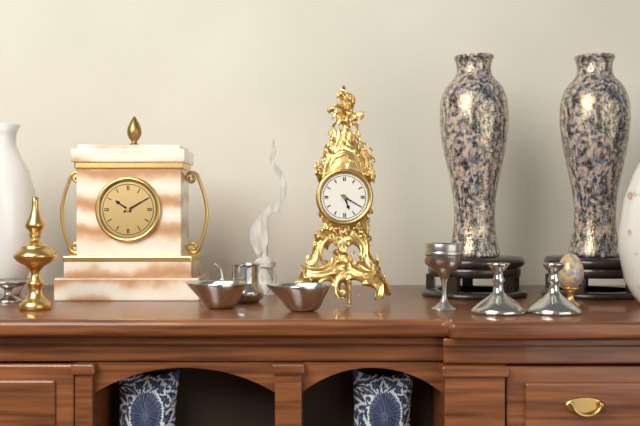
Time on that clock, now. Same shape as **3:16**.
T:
**5:20**
